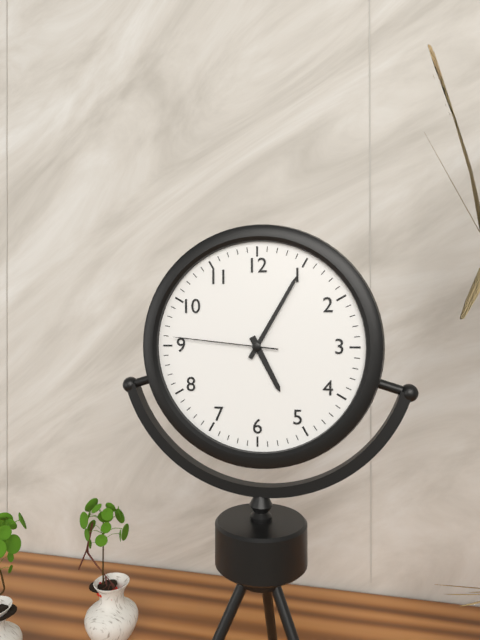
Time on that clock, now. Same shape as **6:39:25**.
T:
**5:05:46**
